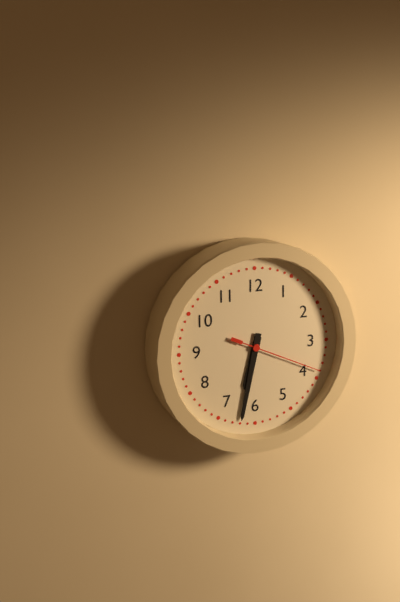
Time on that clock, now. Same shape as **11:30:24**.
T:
**6:32:19**
